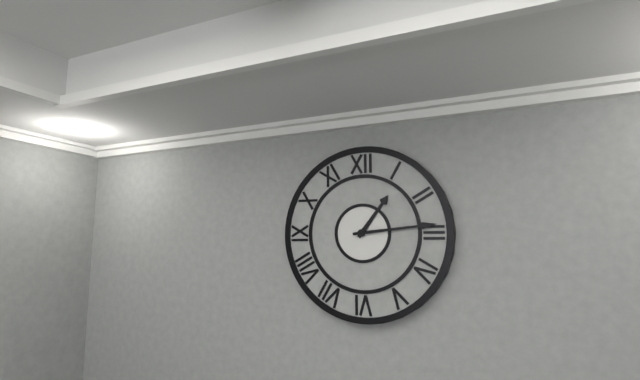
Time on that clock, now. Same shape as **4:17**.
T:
**1:14**
